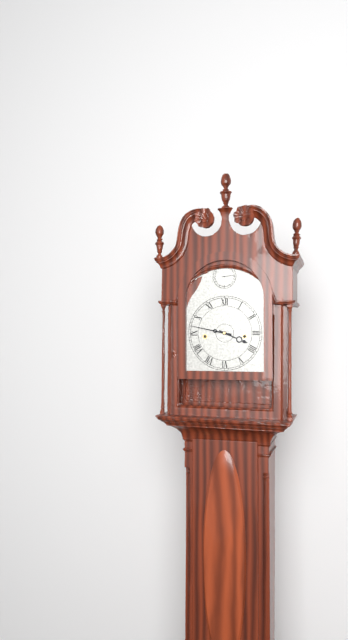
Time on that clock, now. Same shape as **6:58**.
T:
**3:47**
